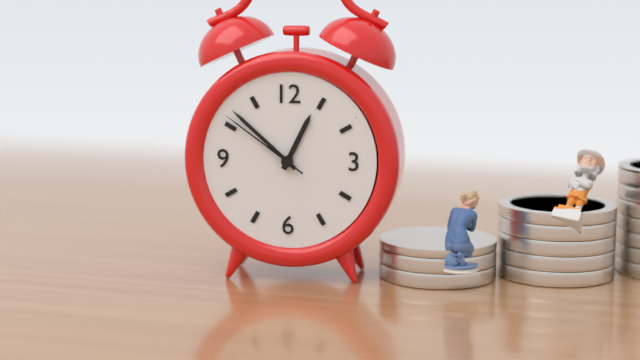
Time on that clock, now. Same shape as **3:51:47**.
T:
**12:52:51**
